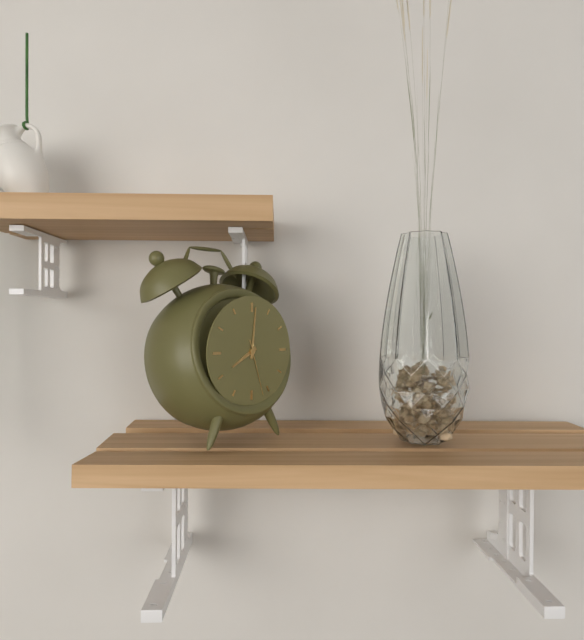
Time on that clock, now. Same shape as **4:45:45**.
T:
**8:01:27**
